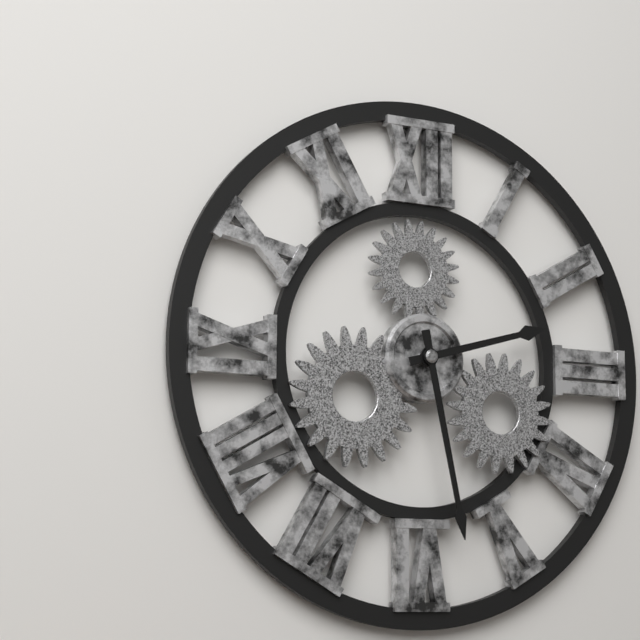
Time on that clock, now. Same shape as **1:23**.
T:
**2:28**
